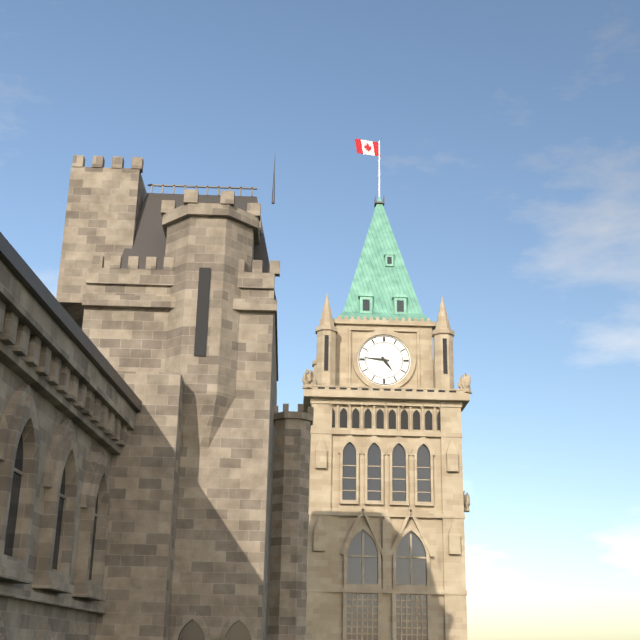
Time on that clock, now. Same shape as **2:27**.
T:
**4:46**
